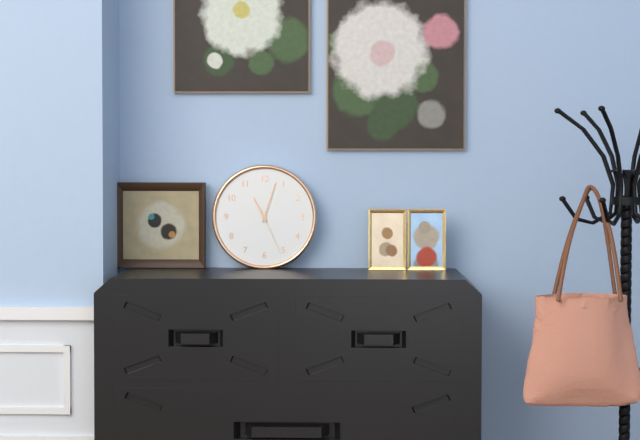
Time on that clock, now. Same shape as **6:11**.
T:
**11:03**
